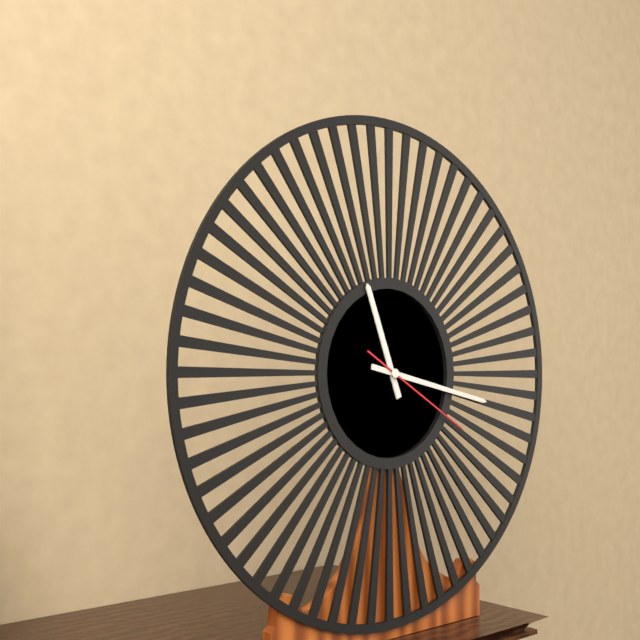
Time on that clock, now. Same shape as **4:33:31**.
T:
**11:17:20**
